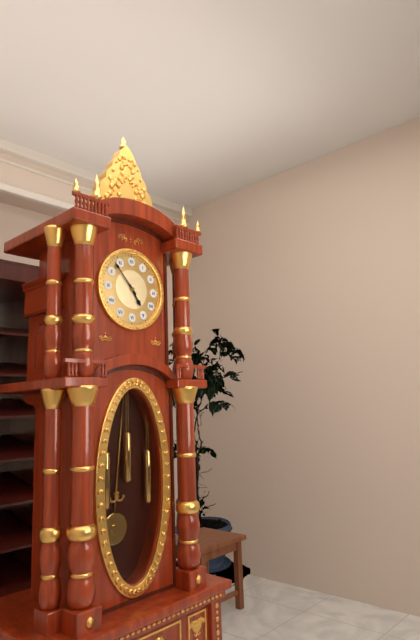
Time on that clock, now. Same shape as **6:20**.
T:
**4:53**
